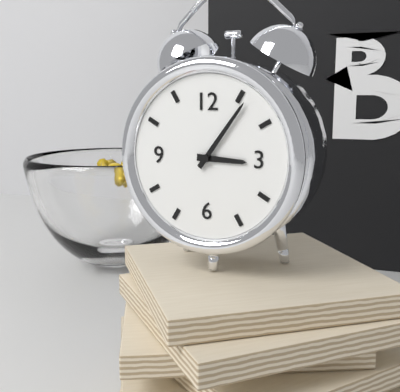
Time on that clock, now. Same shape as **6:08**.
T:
**3:06**
